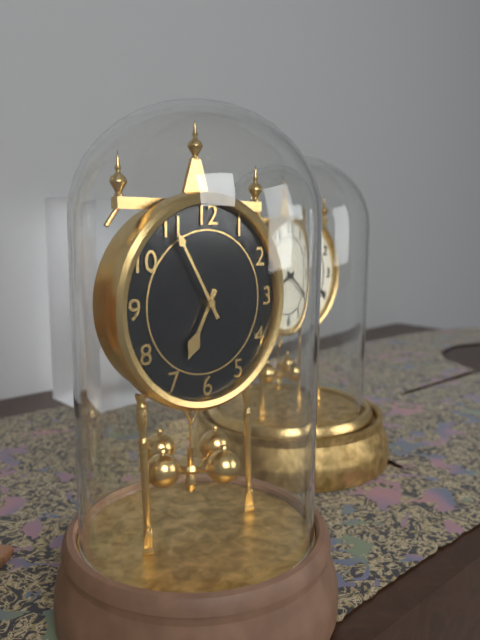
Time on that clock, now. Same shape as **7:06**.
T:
**6:55**
